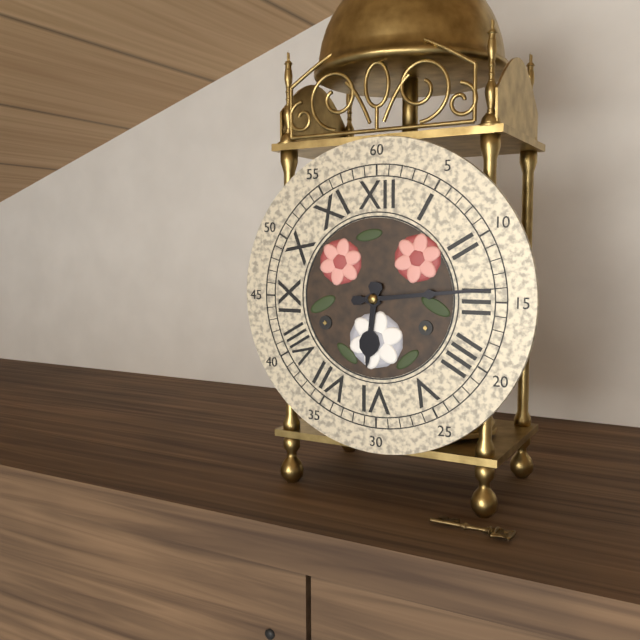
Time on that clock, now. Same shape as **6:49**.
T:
**6:14**
